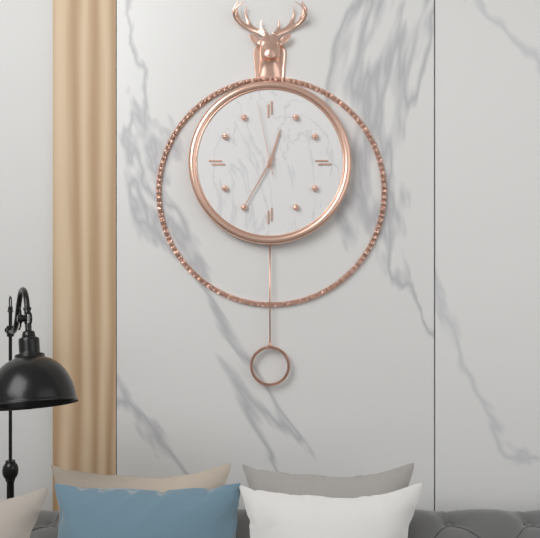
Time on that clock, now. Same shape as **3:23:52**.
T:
**12:35:58**
